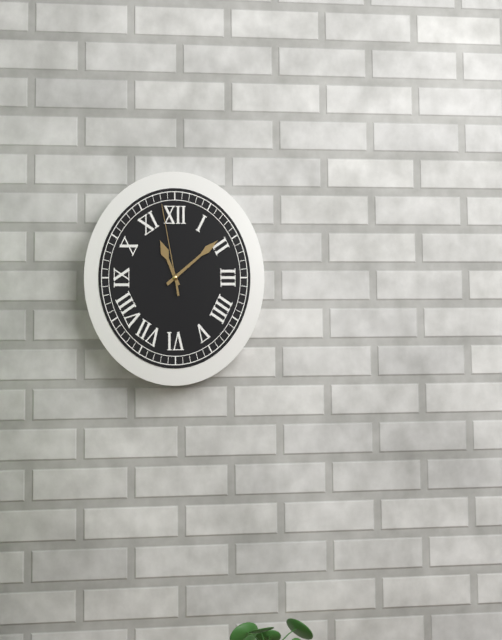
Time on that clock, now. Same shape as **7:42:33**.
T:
**11:09:58**
